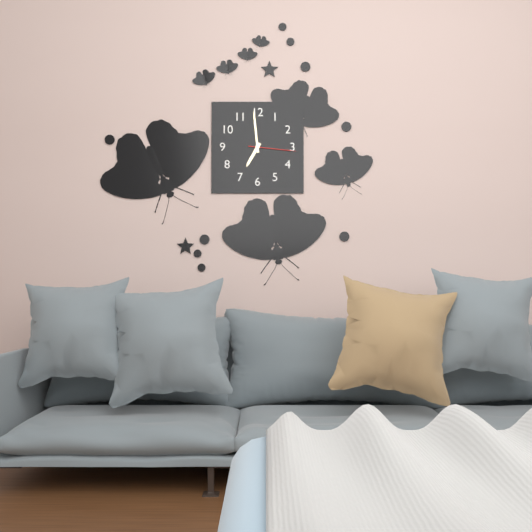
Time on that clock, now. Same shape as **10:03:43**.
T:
**6:59:16**
